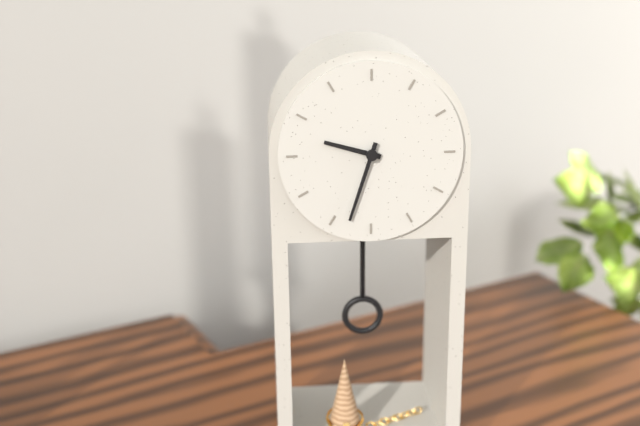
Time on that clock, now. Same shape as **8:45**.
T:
**9:33**
